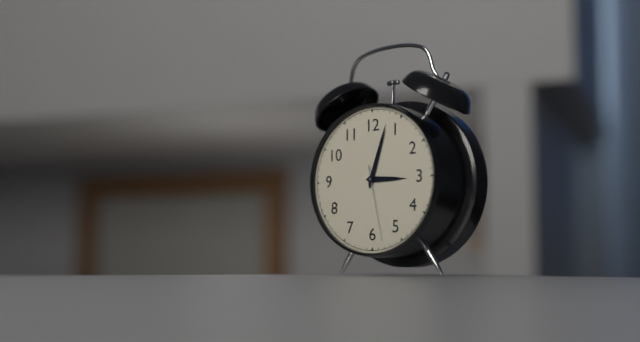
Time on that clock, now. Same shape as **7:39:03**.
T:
**3:03:28**
